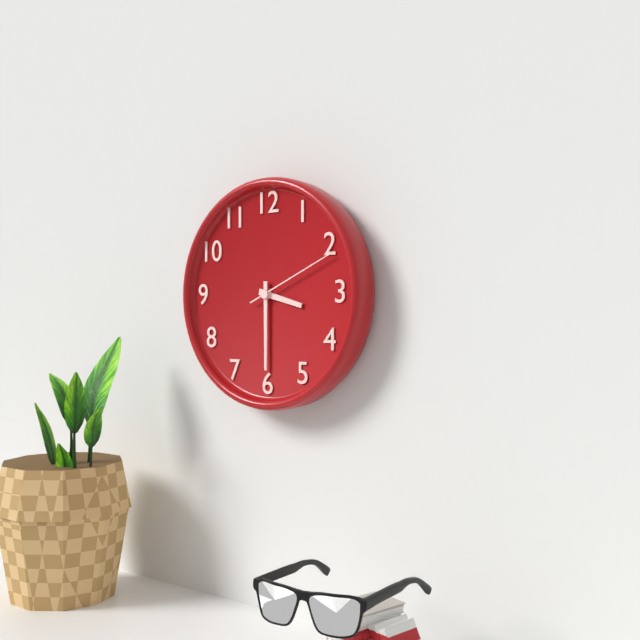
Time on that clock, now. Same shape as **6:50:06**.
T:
**3:30:11**
